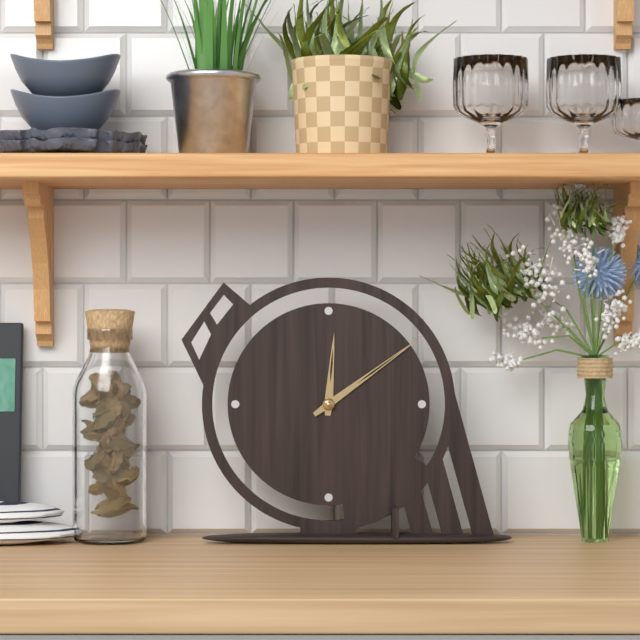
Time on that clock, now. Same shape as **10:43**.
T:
**12:09**
